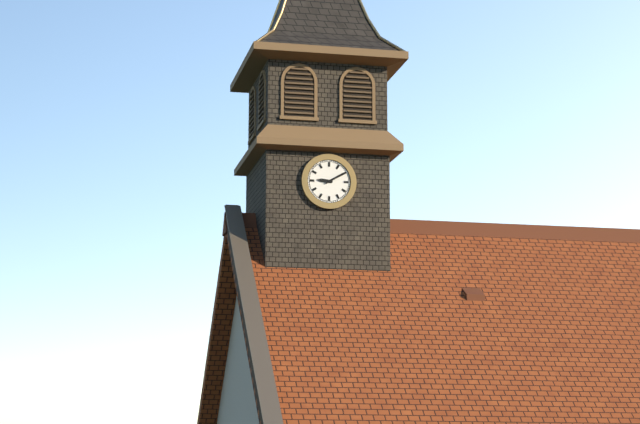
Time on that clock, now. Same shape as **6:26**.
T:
**9:10**
